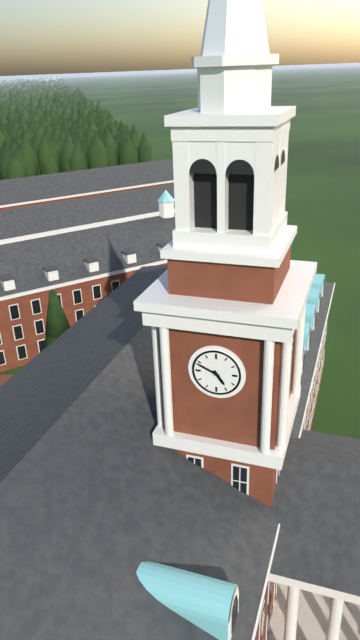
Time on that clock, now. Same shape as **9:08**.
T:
**4:49**
